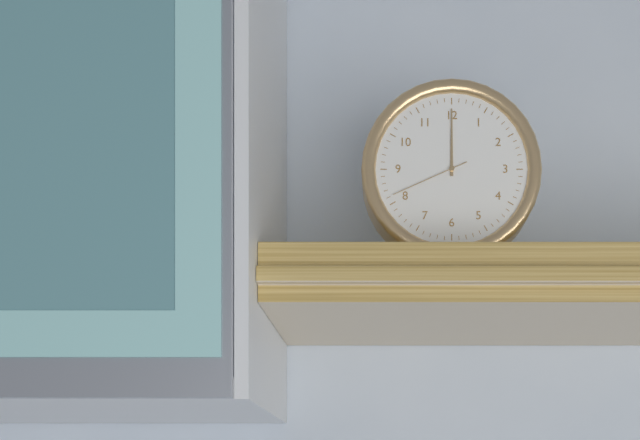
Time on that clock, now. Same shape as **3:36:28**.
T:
**12:00:41**
